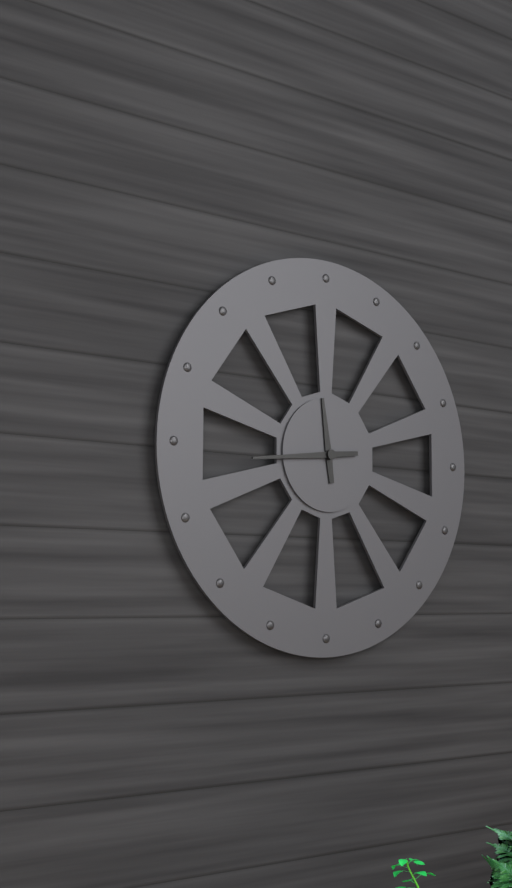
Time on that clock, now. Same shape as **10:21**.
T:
**11:44**
